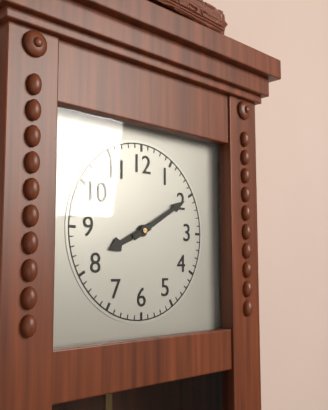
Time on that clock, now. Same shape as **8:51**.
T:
**8:10**
